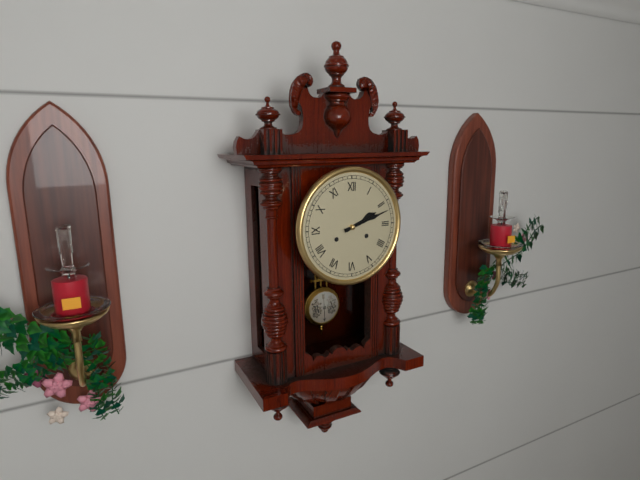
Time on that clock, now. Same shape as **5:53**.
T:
**2:12**
